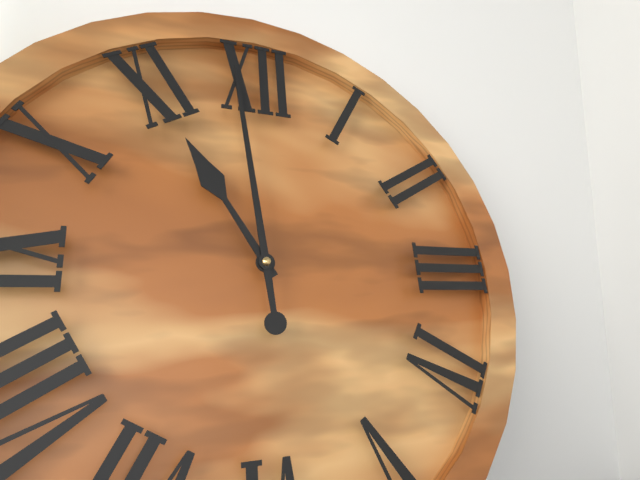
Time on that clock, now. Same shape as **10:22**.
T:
**10:59**
